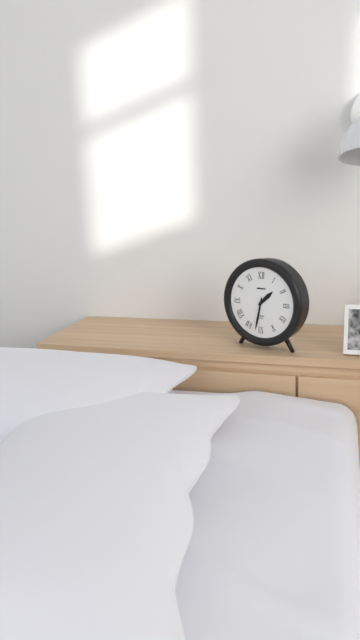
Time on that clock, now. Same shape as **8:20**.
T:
**1:32**
